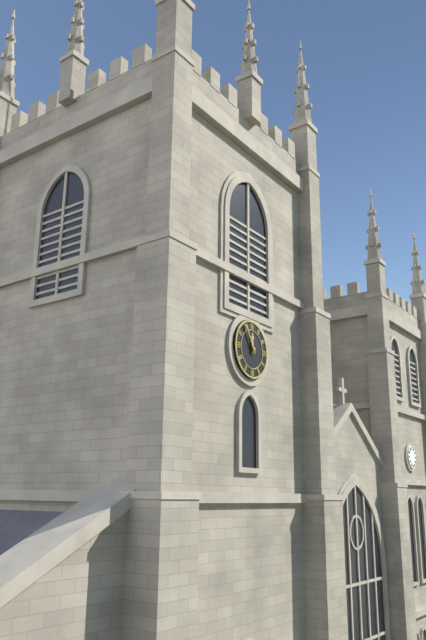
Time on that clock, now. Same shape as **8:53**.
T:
**11:55**
